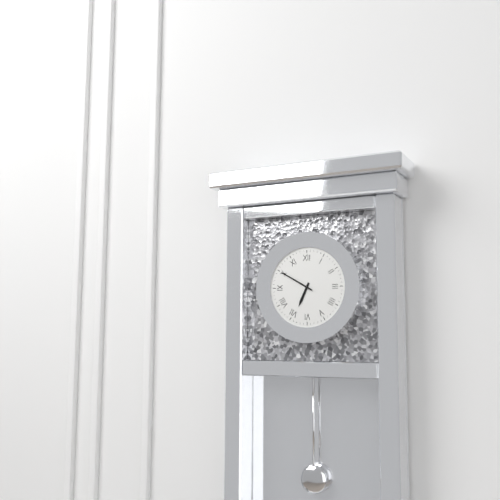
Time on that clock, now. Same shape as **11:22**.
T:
**6:50**
